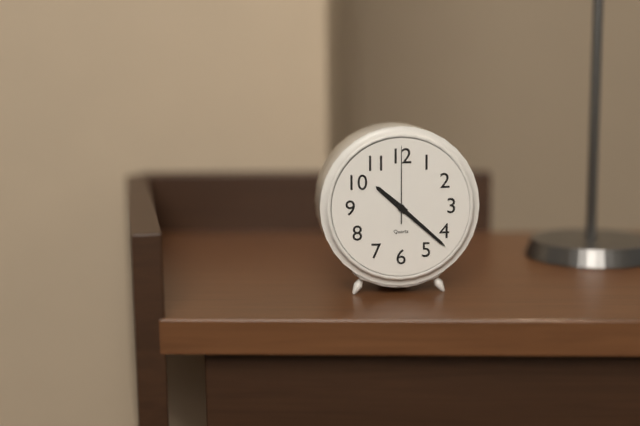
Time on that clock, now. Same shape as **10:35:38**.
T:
**10:22:00**
